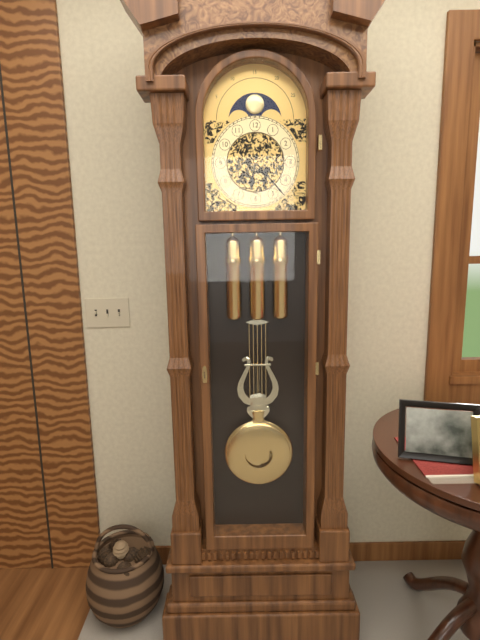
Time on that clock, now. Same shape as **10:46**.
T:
**6:23**
